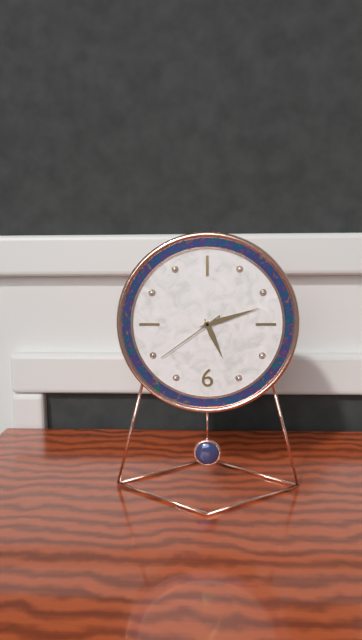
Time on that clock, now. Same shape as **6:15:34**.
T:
**5:12:39**
